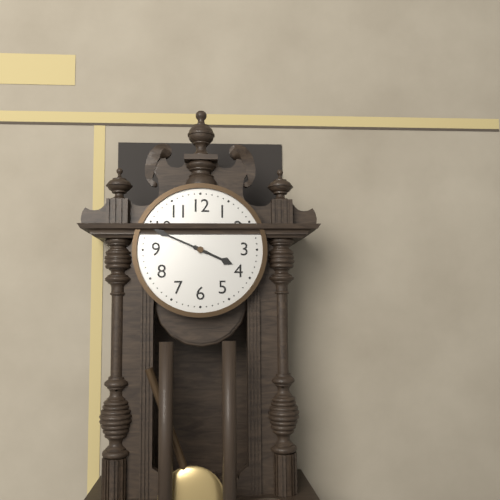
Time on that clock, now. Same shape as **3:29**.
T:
**3:49**
